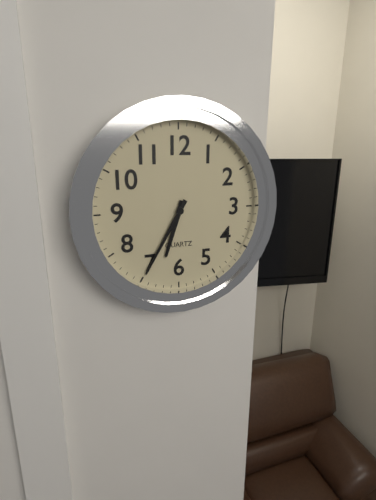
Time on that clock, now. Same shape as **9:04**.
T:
**6:35**
